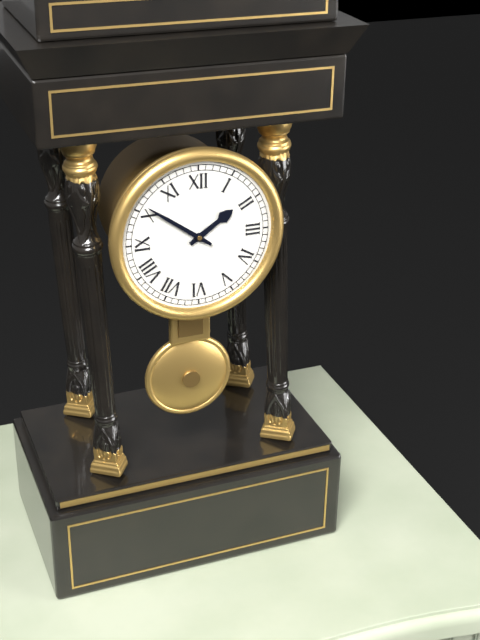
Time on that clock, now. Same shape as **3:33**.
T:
**1:51**
